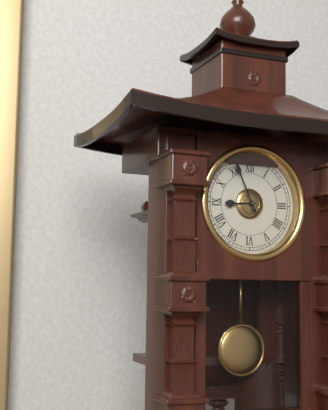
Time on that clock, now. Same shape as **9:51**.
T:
**8:56**
